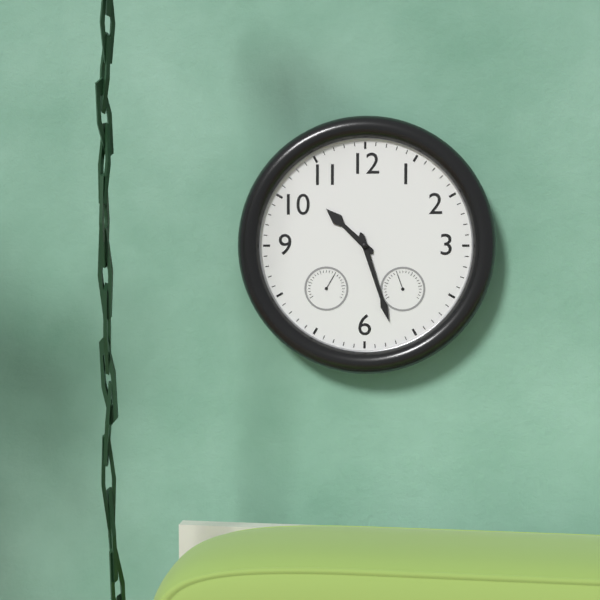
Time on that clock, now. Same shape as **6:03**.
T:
**10:27**
